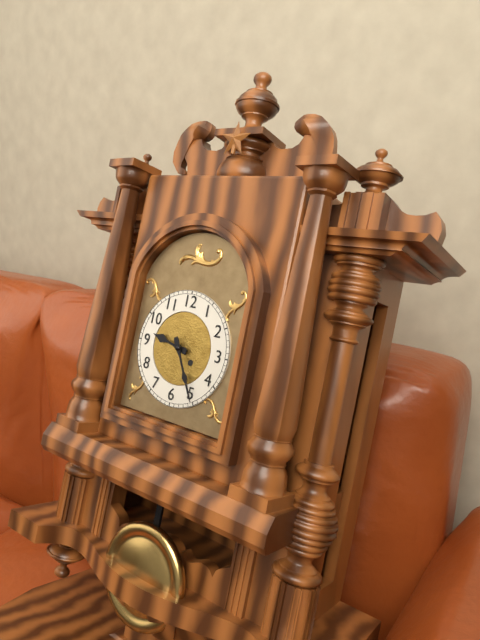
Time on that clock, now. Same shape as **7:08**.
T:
**9:25**
